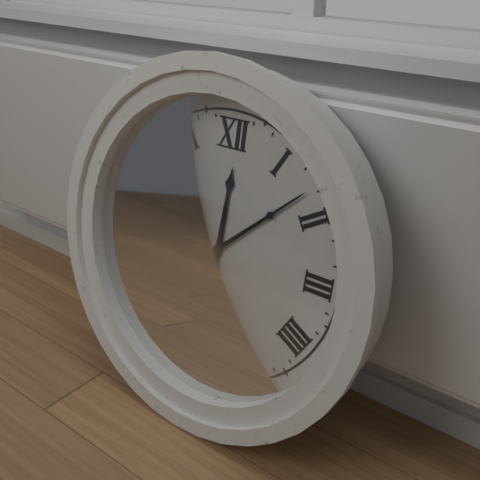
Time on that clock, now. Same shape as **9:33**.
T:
**12:08**
